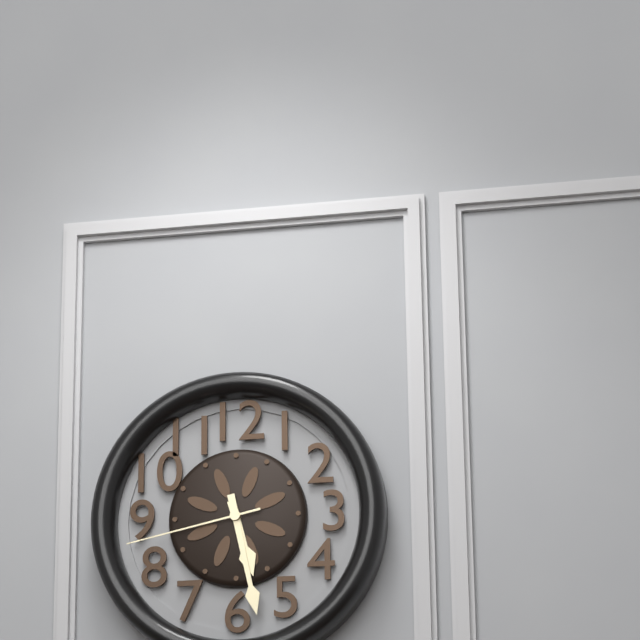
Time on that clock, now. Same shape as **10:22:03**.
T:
**5:28:43**
